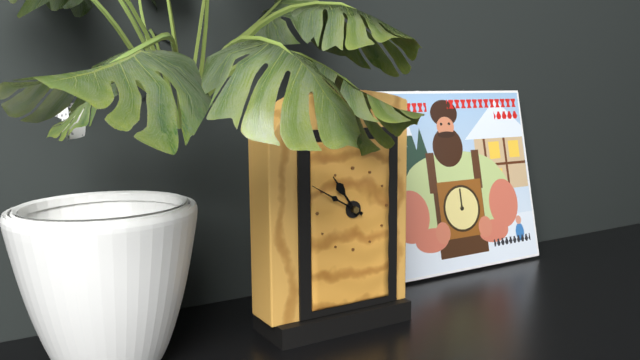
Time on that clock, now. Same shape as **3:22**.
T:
**10:50**
